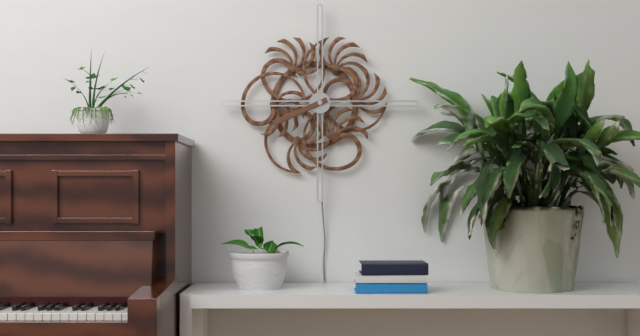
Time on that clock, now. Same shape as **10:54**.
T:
**10:41**
